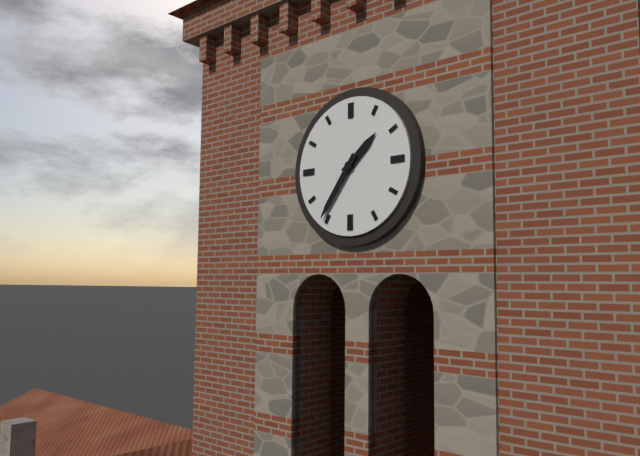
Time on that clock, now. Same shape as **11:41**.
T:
**1:36**
